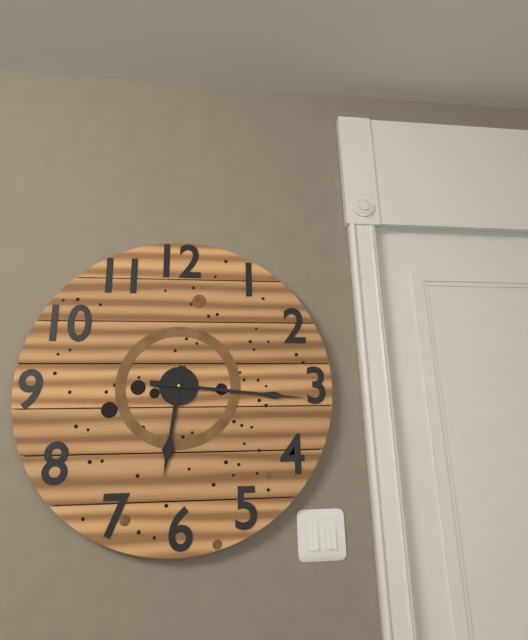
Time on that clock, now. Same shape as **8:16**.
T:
**6:16**
